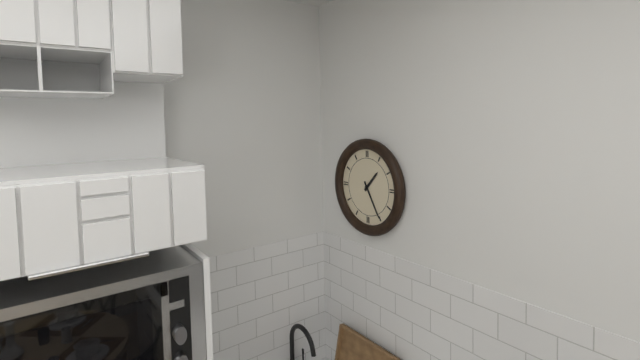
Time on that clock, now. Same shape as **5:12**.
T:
**1:25**
